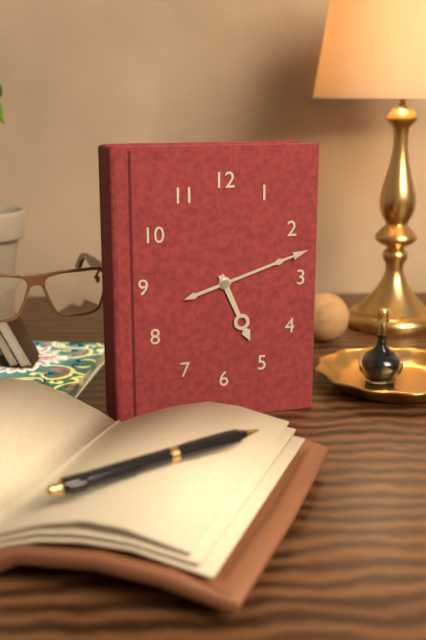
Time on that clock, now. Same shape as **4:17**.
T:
**5:12**
